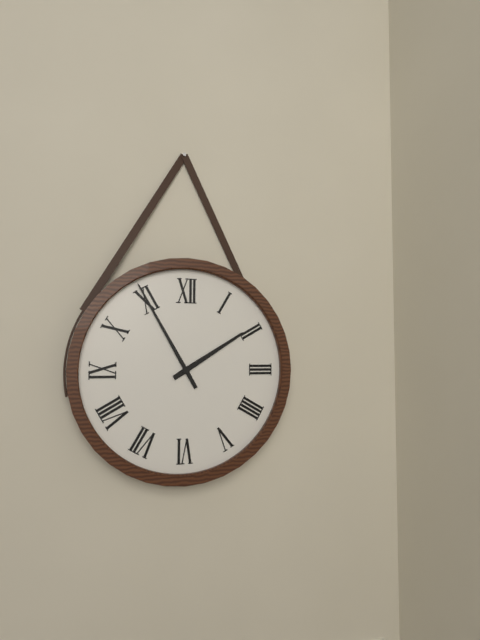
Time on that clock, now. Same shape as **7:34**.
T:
**1:55**
